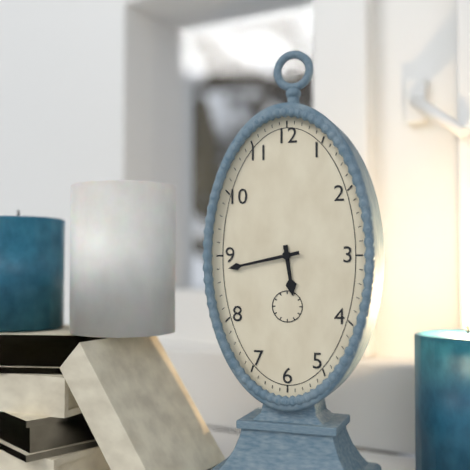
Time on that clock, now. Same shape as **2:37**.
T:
**5:43**
